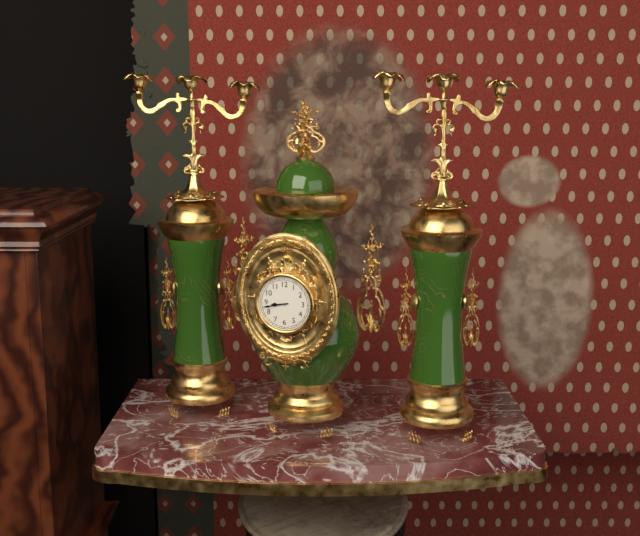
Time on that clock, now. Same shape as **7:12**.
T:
**8:43**
